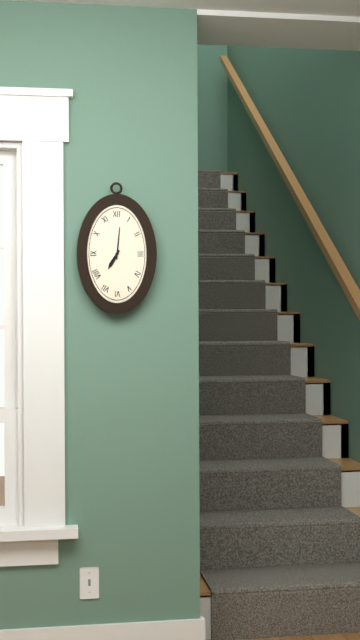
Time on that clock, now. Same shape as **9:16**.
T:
**7:01**
